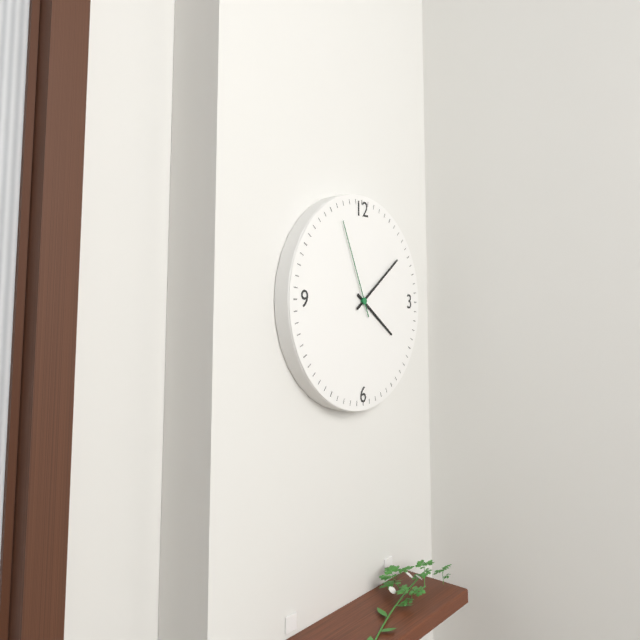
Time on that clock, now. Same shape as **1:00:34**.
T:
**4:09:56**
